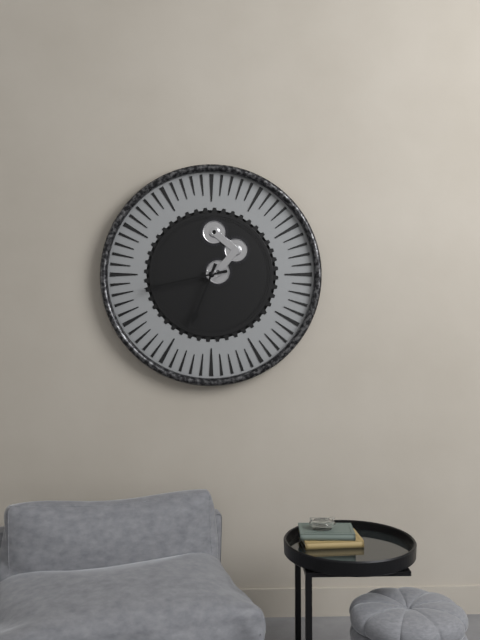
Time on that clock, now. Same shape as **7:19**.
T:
**6:43**
